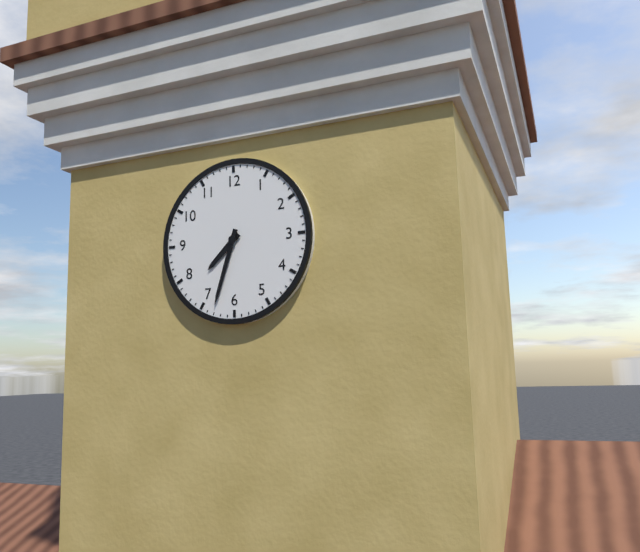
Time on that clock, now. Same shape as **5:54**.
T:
**7:33**
